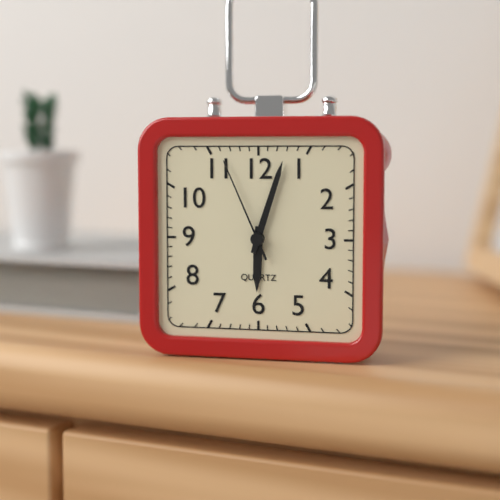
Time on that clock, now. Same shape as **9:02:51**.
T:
**6:03:56**
